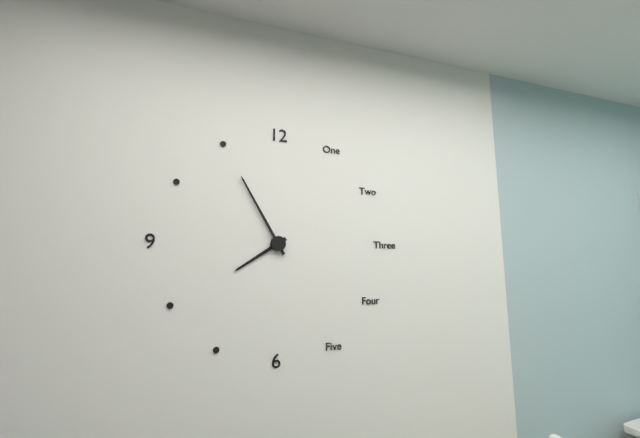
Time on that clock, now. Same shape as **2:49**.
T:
**7:55**
